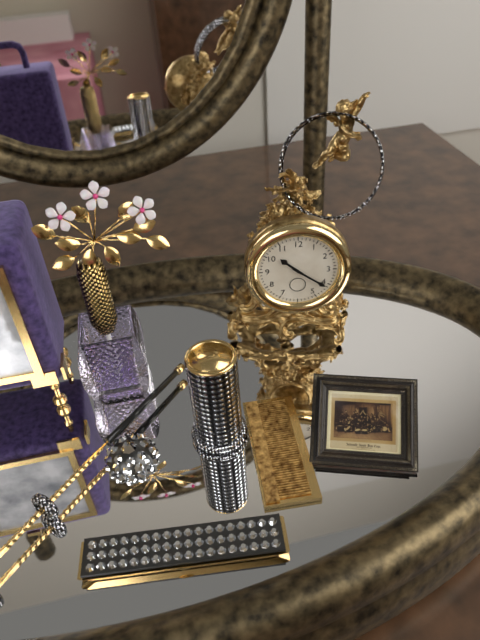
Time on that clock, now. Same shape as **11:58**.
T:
**10:21**
